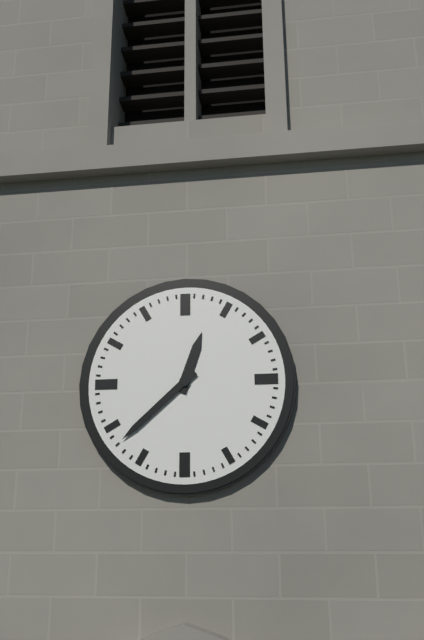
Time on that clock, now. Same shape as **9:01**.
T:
**12:38**
